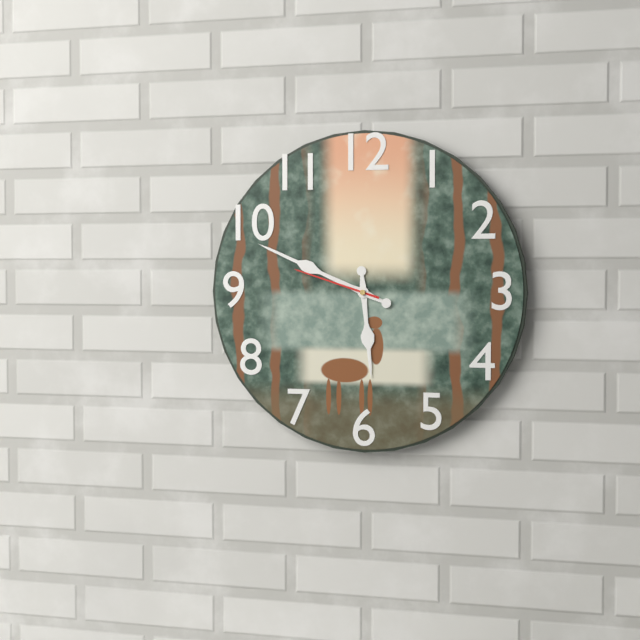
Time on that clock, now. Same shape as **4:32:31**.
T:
**5:49:48**
